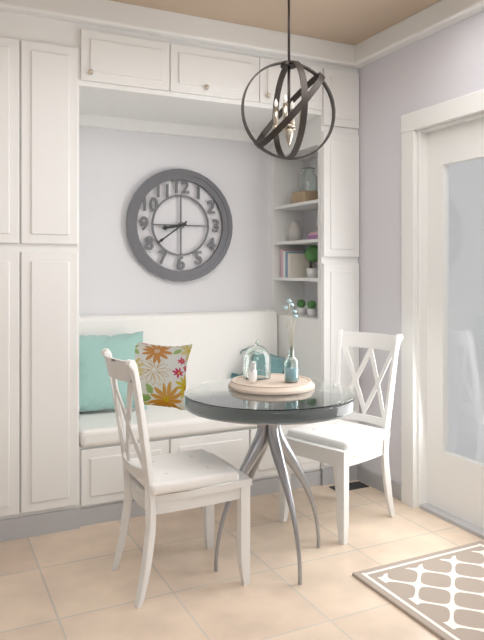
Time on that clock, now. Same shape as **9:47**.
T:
**8:39**
